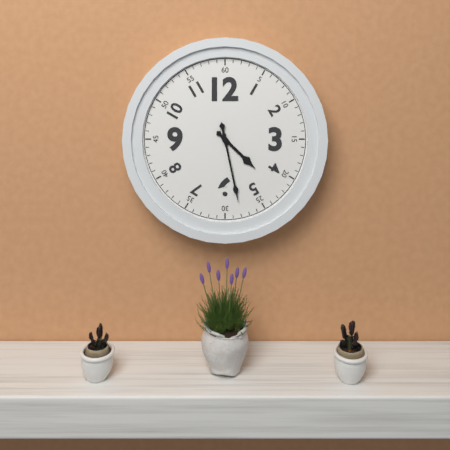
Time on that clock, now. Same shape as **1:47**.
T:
**4:28**
